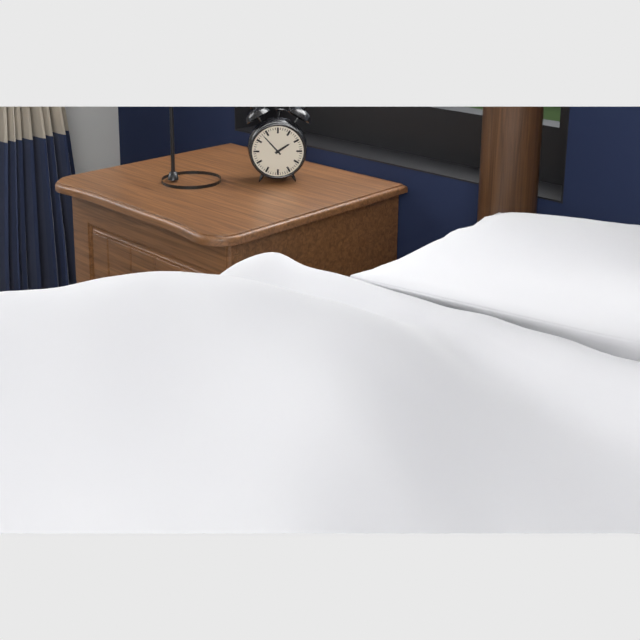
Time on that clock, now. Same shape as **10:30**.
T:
**1:53**
